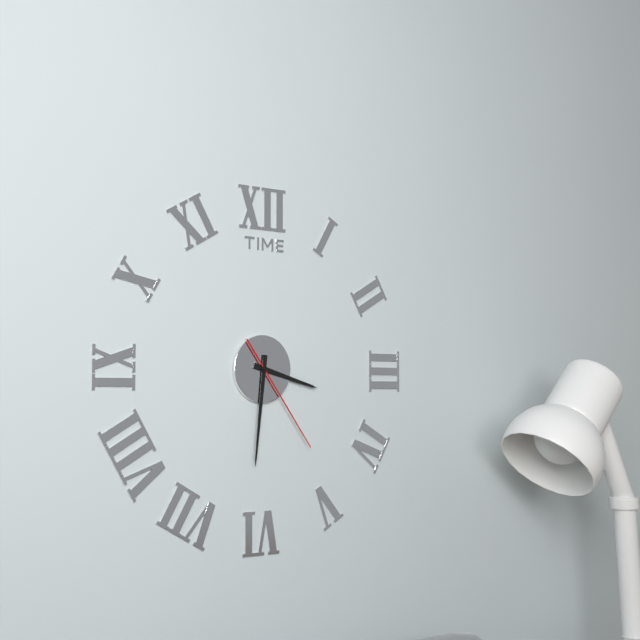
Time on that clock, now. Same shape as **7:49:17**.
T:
**3:31:24**
